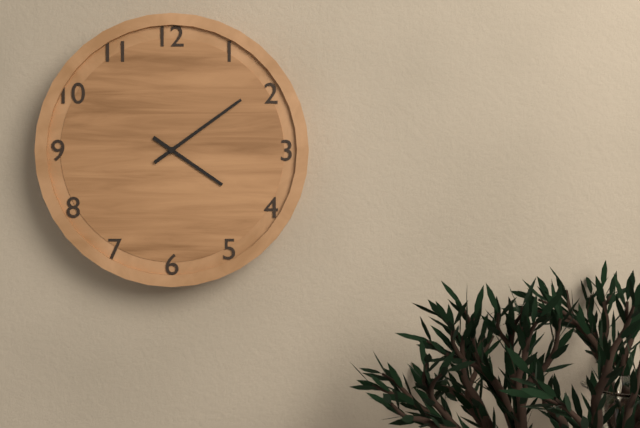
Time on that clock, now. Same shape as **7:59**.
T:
**4:09**
